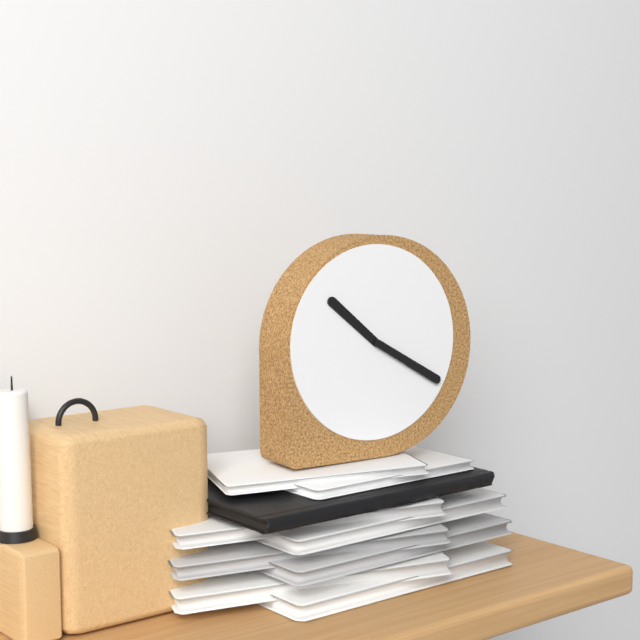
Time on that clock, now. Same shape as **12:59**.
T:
**10:20**
